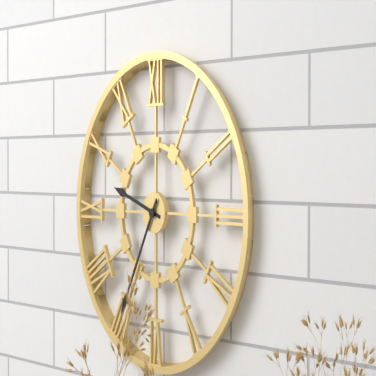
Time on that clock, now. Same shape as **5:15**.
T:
**9:35**
